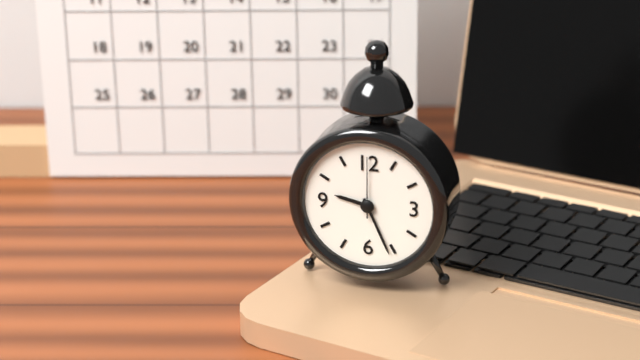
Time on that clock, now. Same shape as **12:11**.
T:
**9:26**
